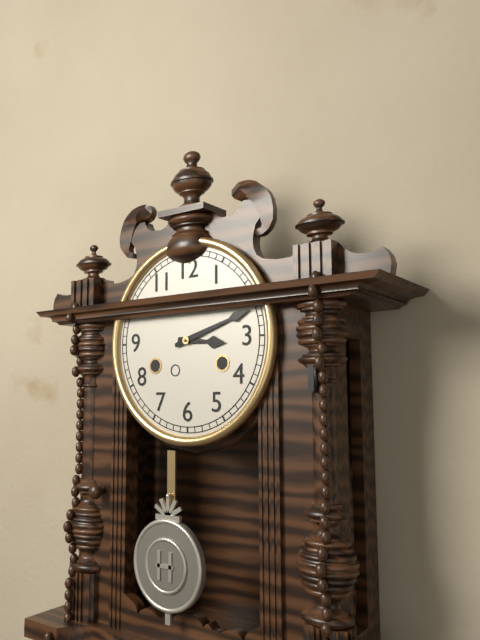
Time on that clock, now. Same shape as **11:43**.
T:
**3:12**
